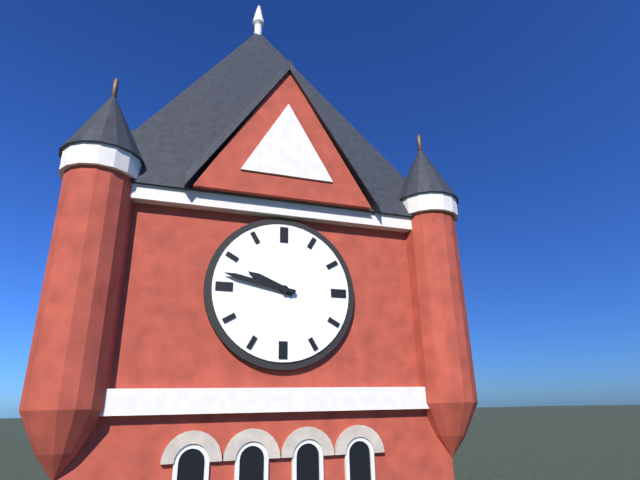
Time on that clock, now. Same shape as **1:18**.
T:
**9:47**
